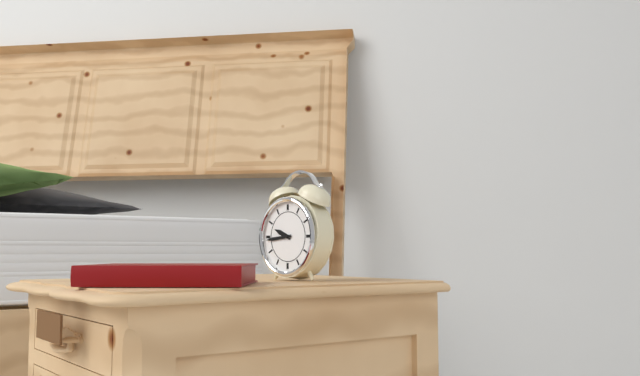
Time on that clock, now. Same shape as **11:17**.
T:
**9:44**
